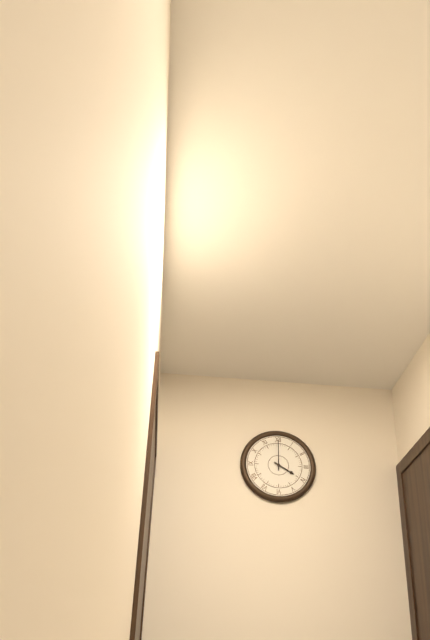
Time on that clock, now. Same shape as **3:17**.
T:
**4:00**
